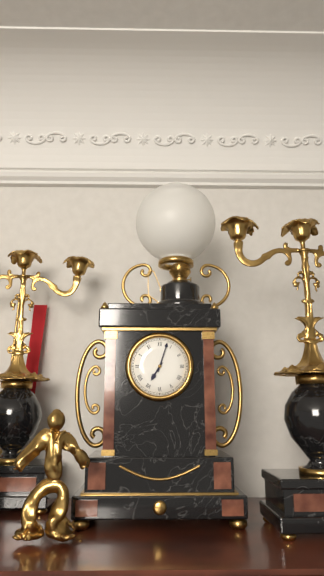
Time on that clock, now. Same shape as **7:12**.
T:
**7:03**
